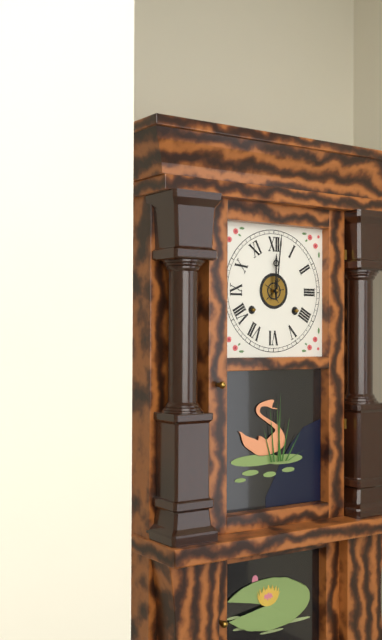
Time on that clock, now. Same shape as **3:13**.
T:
**12:01**
